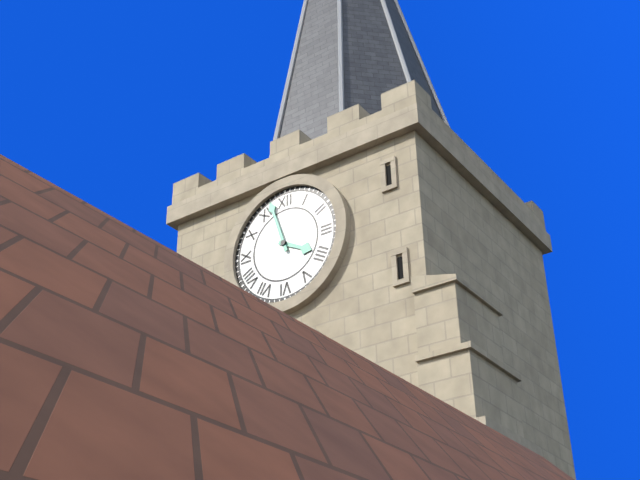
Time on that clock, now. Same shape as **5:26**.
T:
**3:57**
